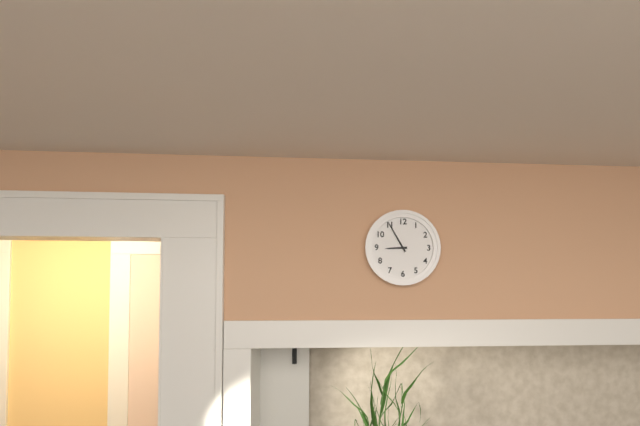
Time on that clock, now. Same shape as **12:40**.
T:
**8:55**
